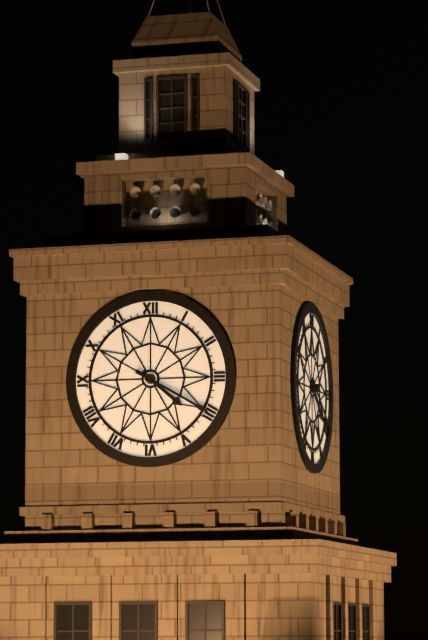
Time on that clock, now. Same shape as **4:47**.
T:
**4:20**
